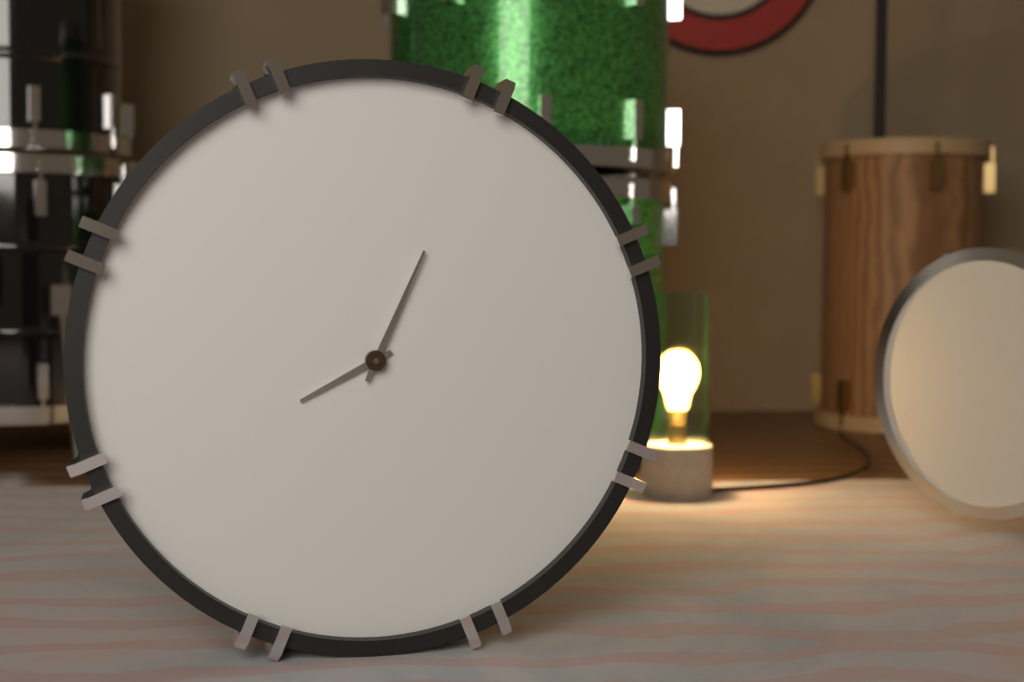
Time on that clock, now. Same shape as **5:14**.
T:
**8:04**
